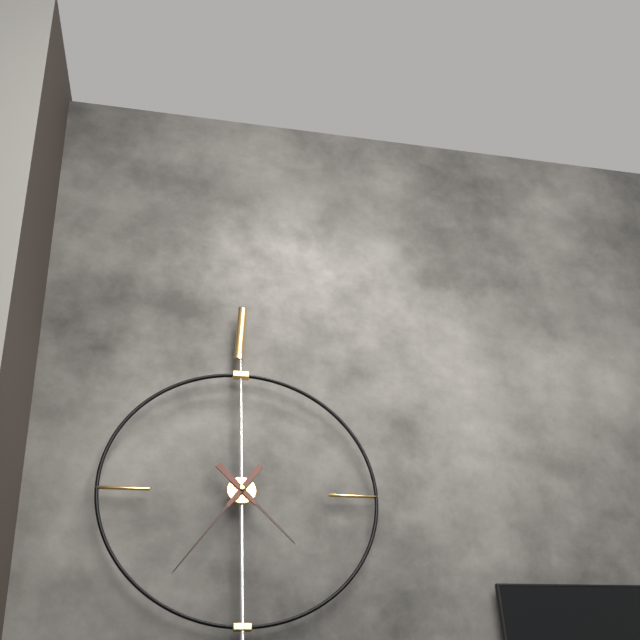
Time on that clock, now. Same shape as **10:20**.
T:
**4:36**
